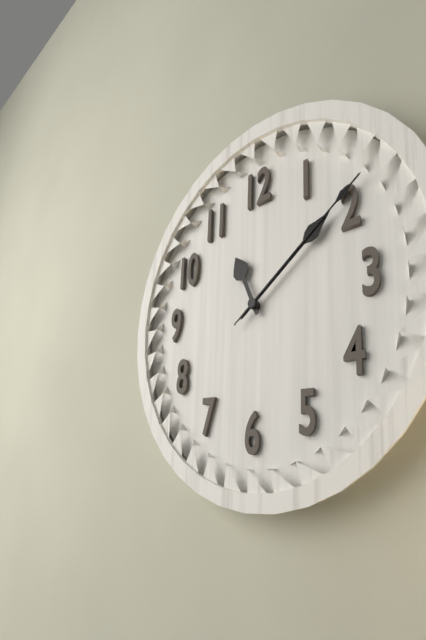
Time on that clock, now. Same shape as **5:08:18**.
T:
**11:09:09**
